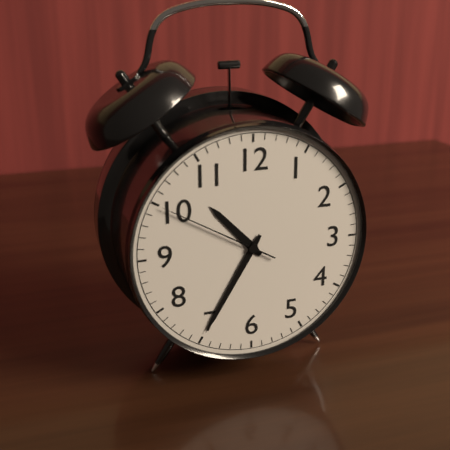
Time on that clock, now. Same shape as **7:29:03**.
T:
**10:35:50**
